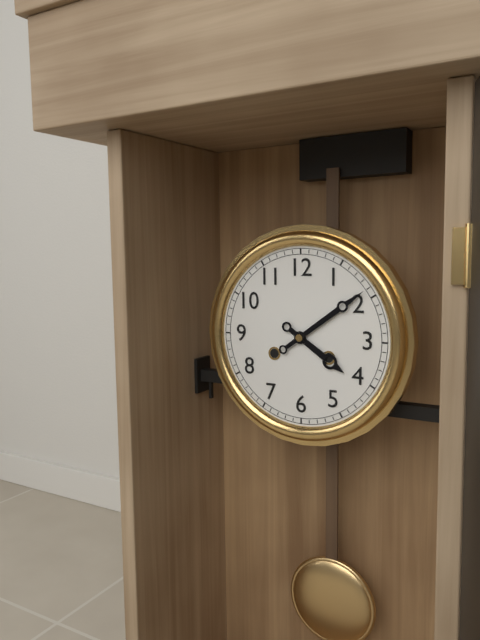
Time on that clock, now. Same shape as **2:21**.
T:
**4:09**
